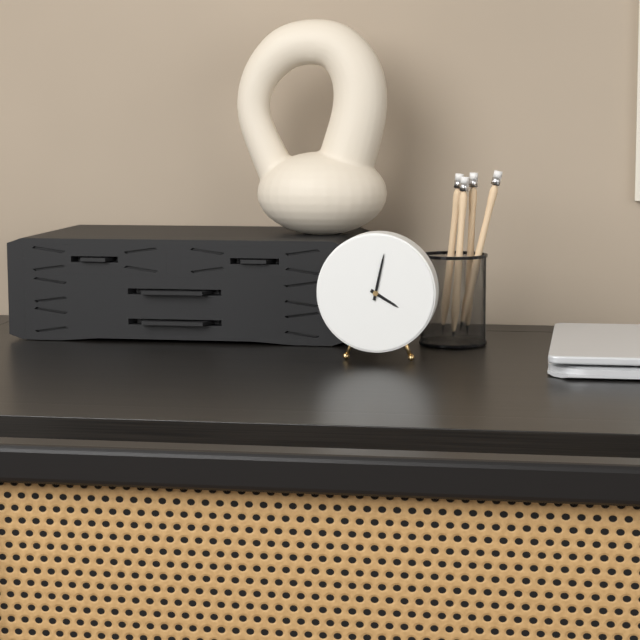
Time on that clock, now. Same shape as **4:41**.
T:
**4:02**
